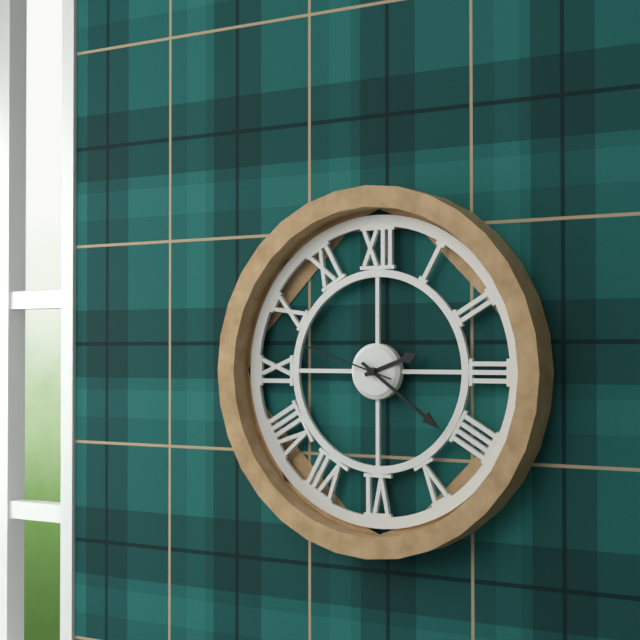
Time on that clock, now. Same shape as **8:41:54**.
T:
**2:21:48**
